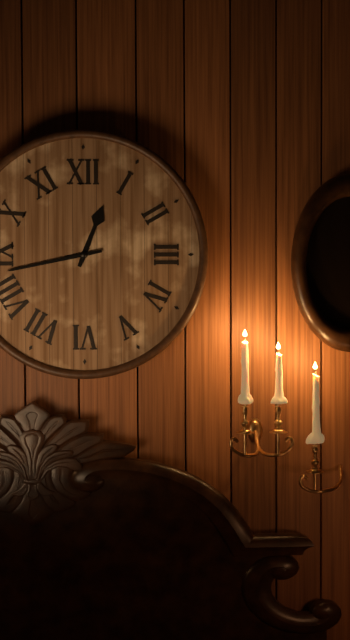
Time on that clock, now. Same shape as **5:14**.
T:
**12:43**
